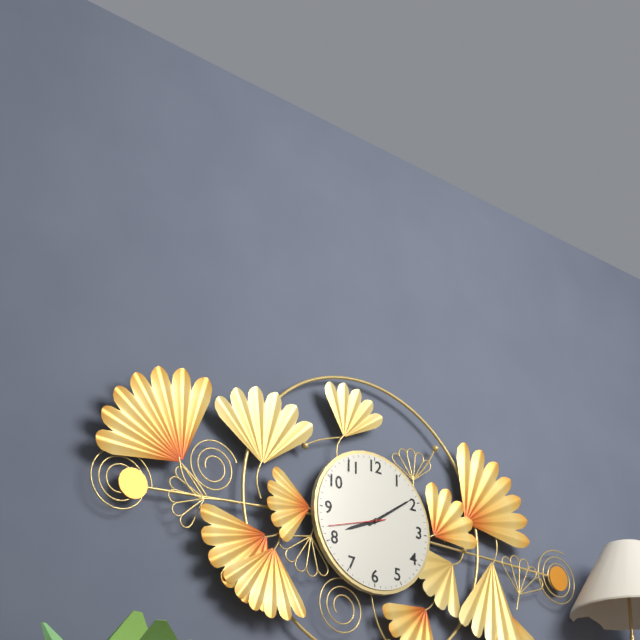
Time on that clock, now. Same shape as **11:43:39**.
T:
**8:09:42**
